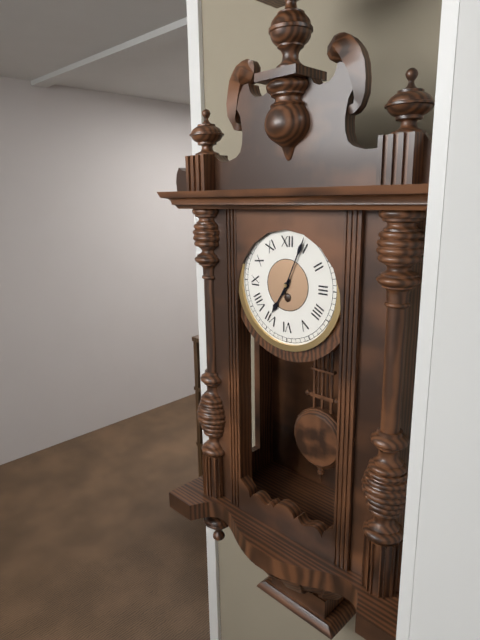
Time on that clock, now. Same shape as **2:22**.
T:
**7:04**
